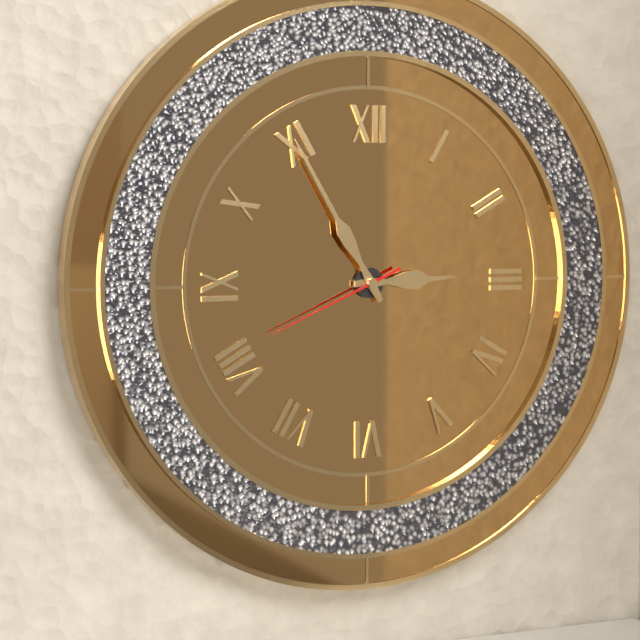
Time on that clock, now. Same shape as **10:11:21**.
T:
**2:55:41**
